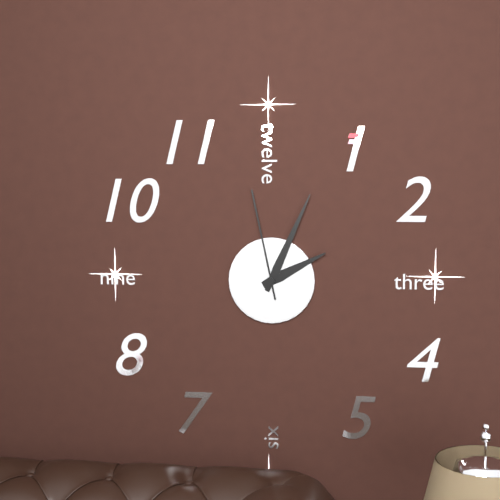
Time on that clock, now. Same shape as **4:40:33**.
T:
**2:04:58**
